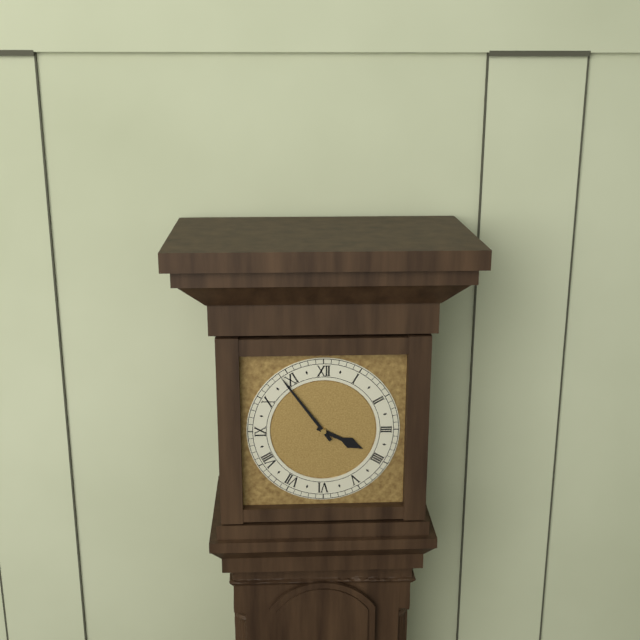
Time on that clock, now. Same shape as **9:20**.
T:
**3:54**
